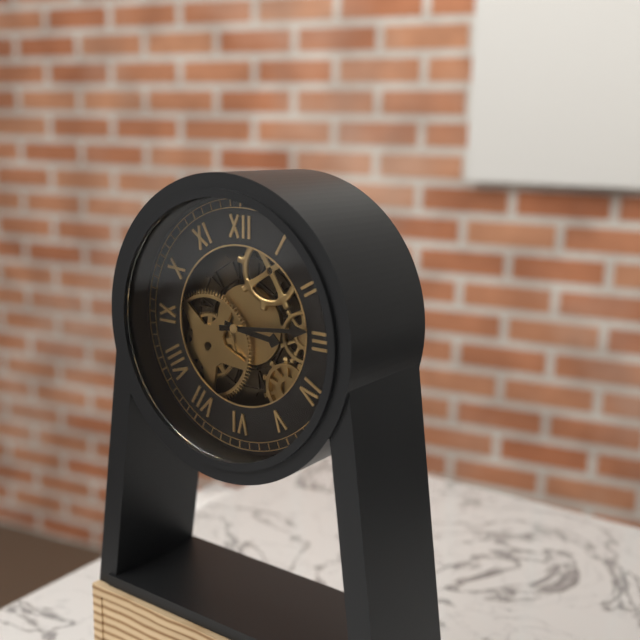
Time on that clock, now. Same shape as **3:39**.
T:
**3:14**
